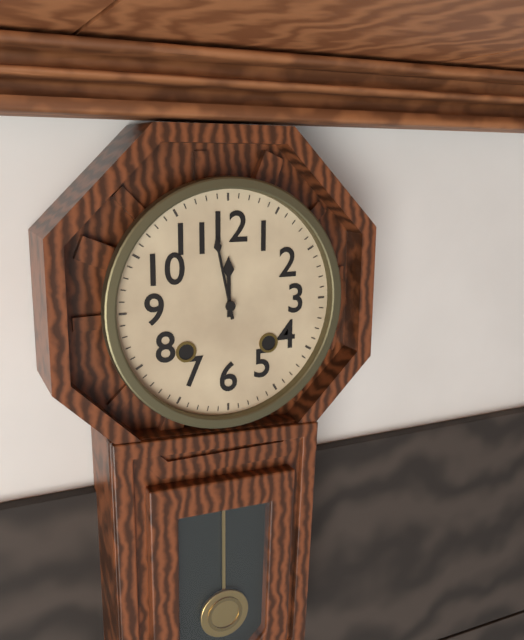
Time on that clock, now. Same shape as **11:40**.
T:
**11:58**
